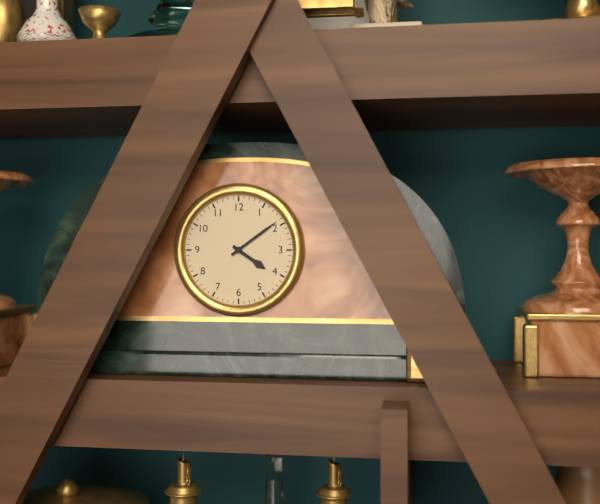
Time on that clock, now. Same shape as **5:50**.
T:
**4:09**
